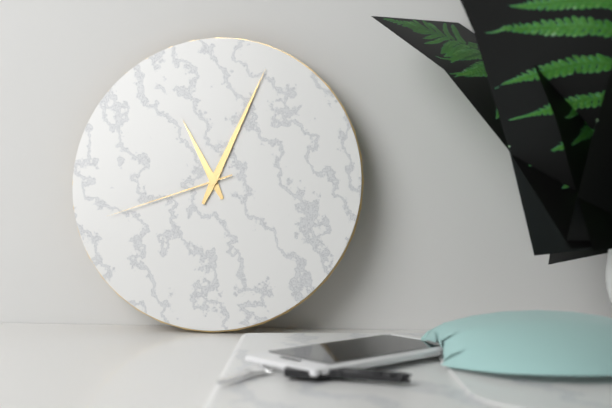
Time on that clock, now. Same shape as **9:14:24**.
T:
**11:04:42**
